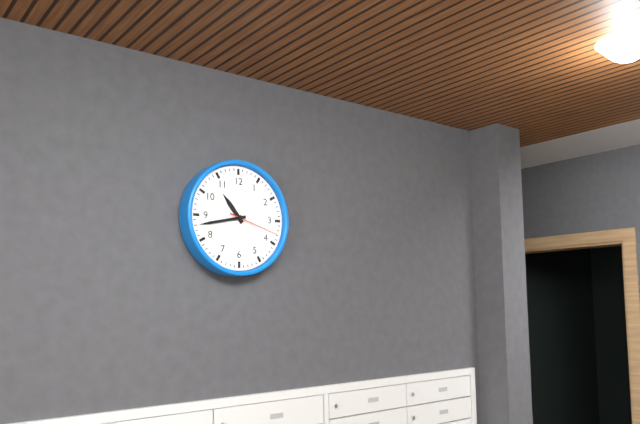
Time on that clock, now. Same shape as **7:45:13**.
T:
**10:43:18**
